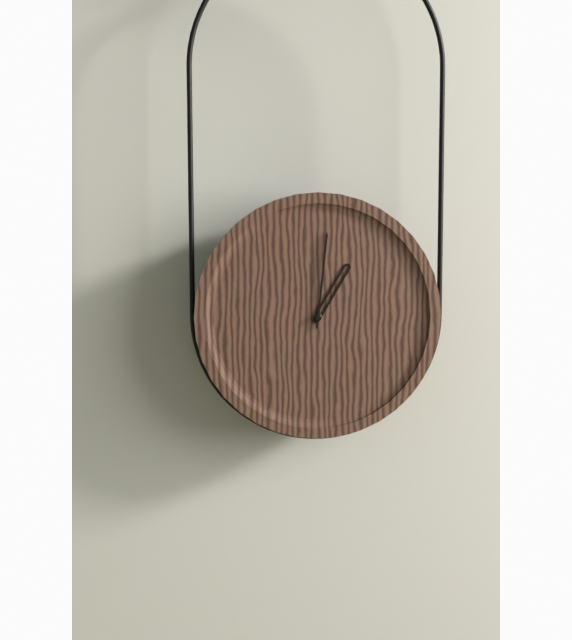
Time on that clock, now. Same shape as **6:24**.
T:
**1:01**
